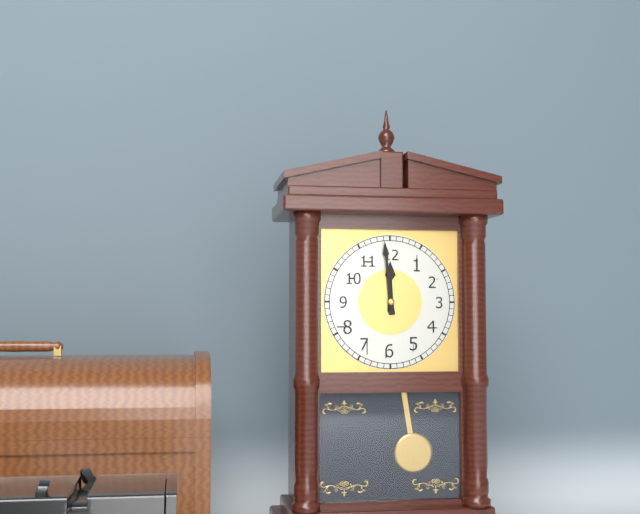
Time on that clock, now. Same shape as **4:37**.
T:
**11:59**
